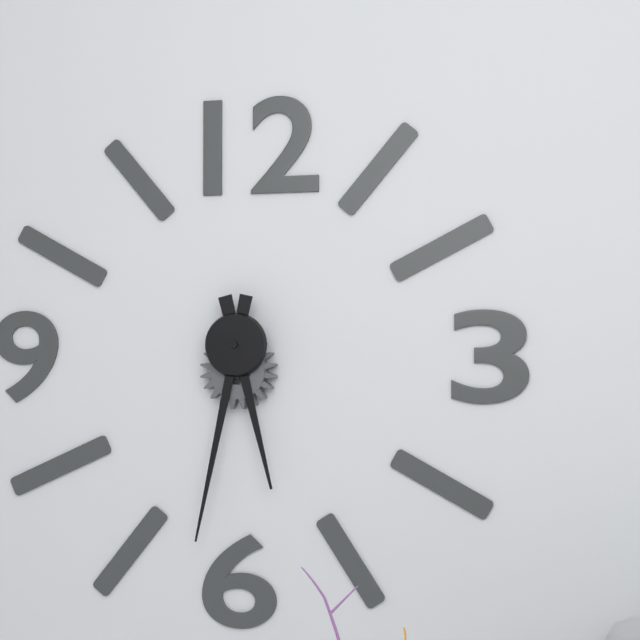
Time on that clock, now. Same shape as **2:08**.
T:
**5:32**
